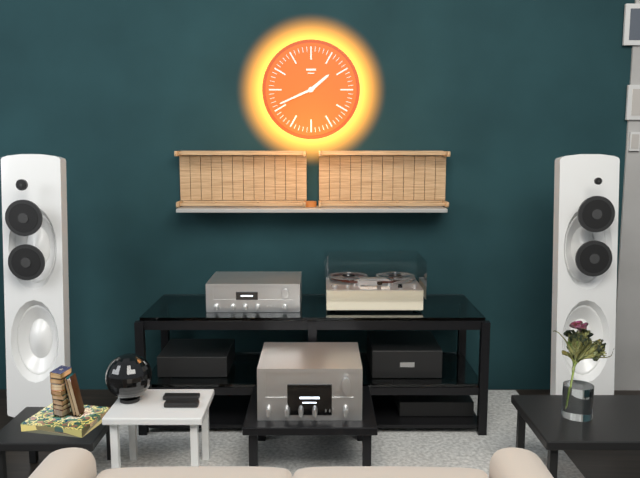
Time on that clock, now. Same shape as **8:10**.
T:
**1:41**
